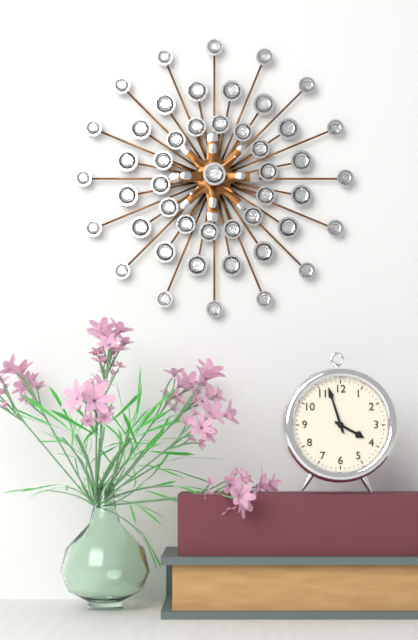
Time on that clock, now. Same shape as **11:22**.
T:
**3:57**
